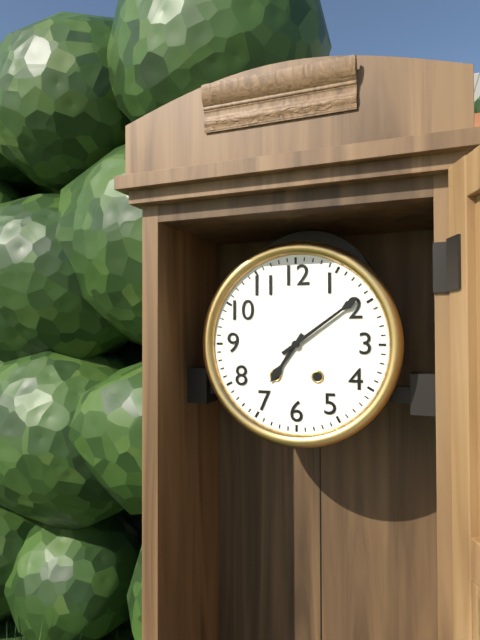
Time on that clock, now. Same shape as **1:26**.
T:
**7:09**
